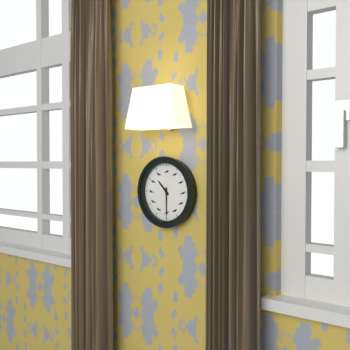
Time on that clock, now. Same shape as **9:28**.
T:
**10:30**
